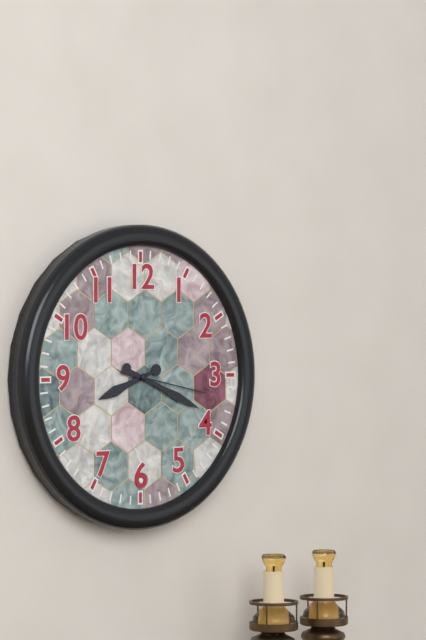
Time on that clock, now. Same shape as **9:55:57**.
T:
**8:19:17**
